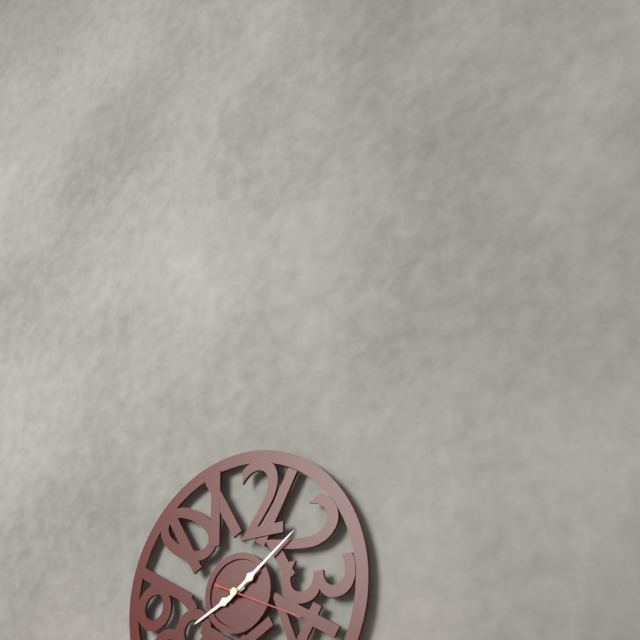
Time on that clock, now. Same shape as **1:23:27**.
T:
**8:09:19**
